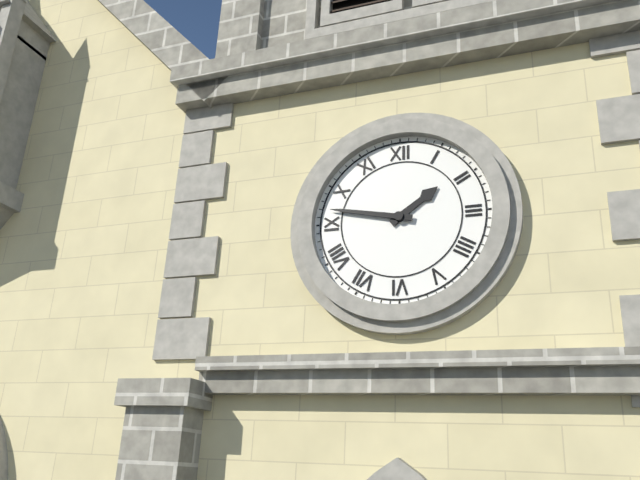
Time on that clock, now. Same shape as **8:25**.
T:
**1:47**
